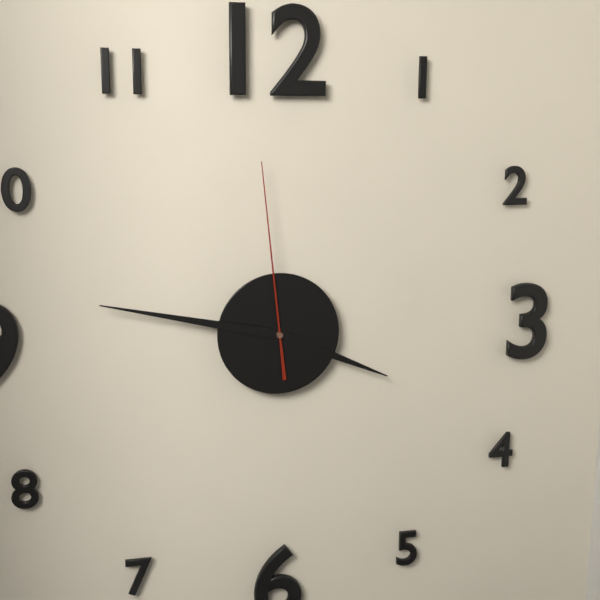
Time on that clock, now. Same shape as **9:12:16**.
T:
**3:47:59**
